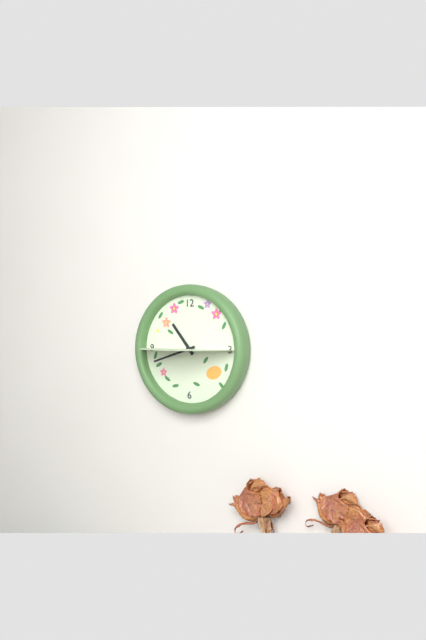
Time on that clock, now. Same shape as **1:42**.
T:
**10:42**
